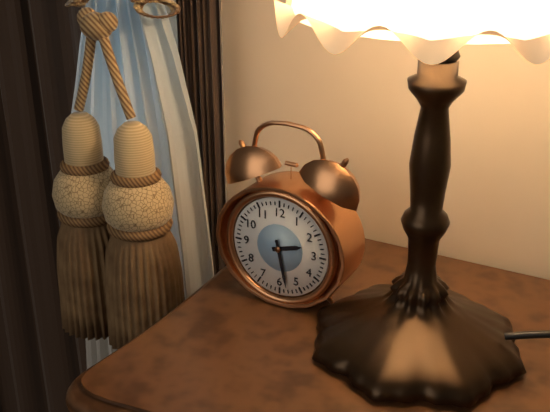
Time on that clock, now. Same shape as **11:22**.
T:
**2:28**
